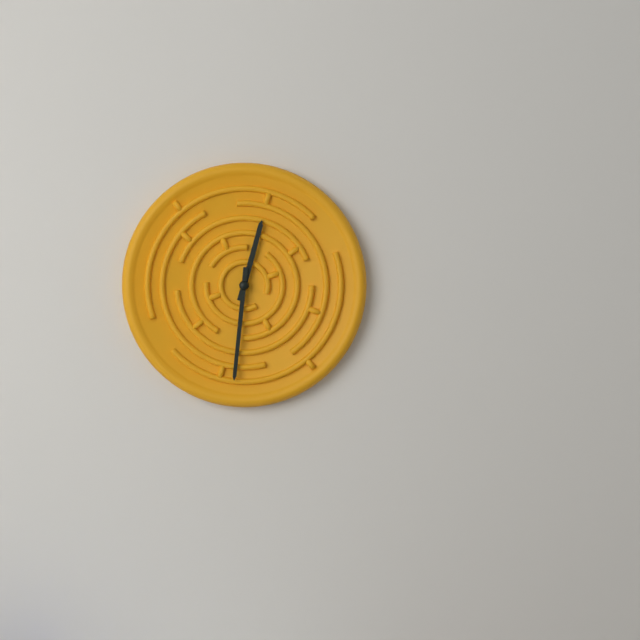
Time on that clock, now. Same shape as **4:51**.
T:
**12:31**
